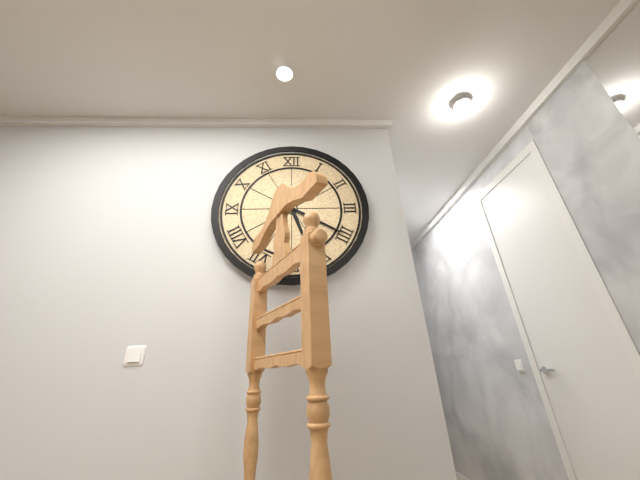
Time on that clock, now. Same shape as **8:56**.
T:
**5:20**
